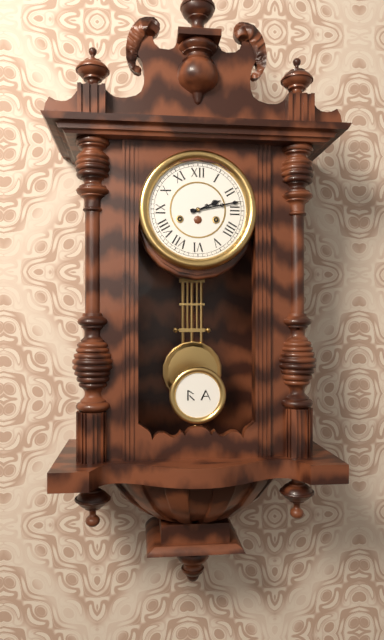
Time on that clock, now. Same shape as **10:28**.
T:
**2:13**
